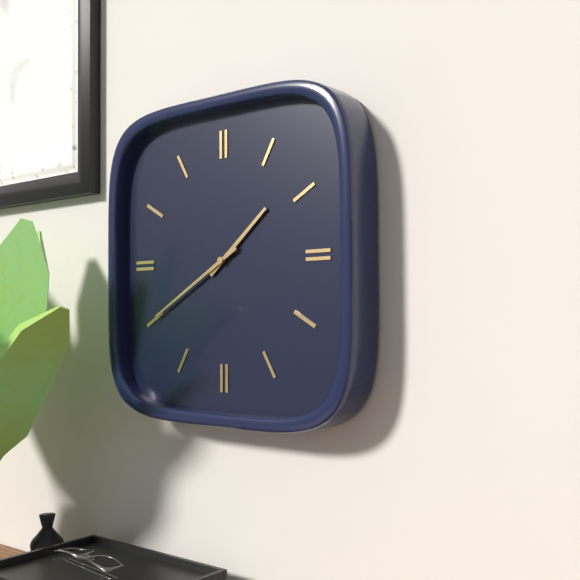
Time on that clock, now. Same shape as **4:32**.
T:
**1:40**
